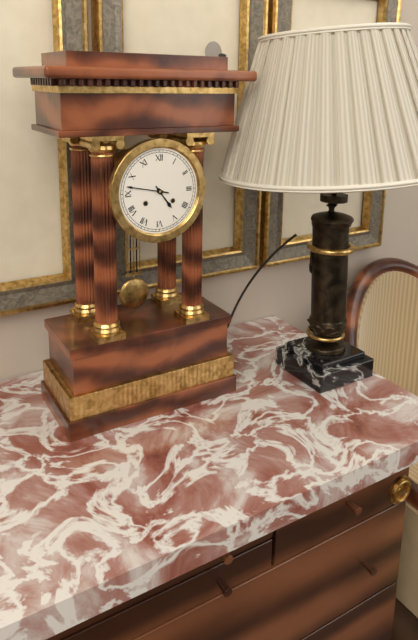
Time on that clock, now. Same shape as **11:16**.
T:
**4:47**
